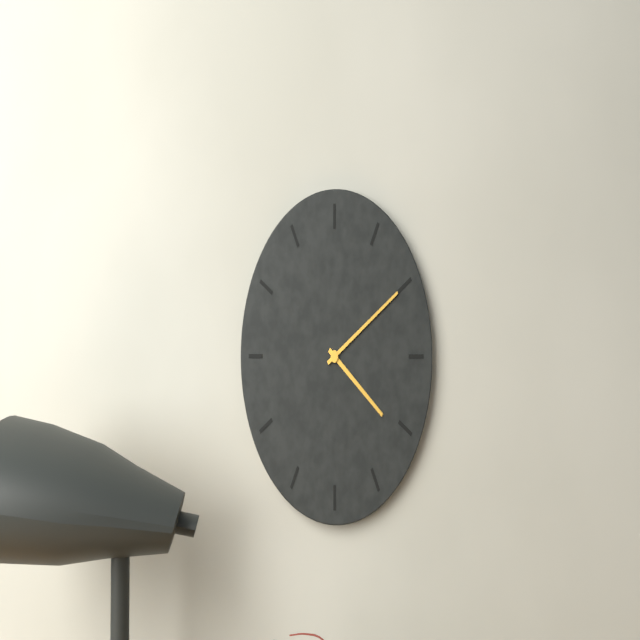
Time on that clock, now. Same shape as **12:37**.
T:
**4:10**
